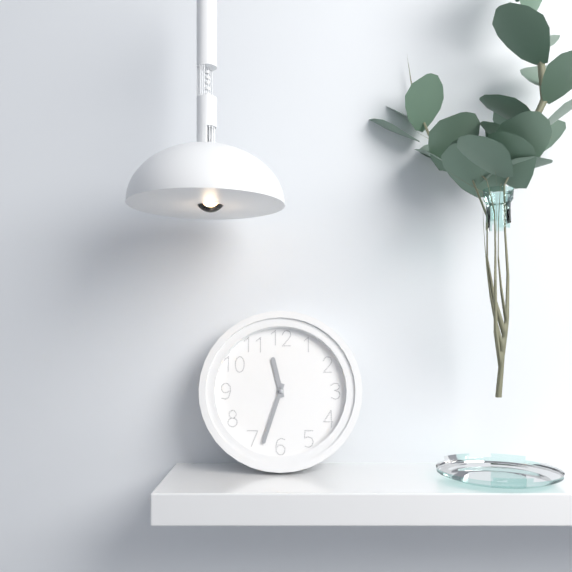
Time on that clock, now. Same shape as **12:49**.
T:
**11:33**
